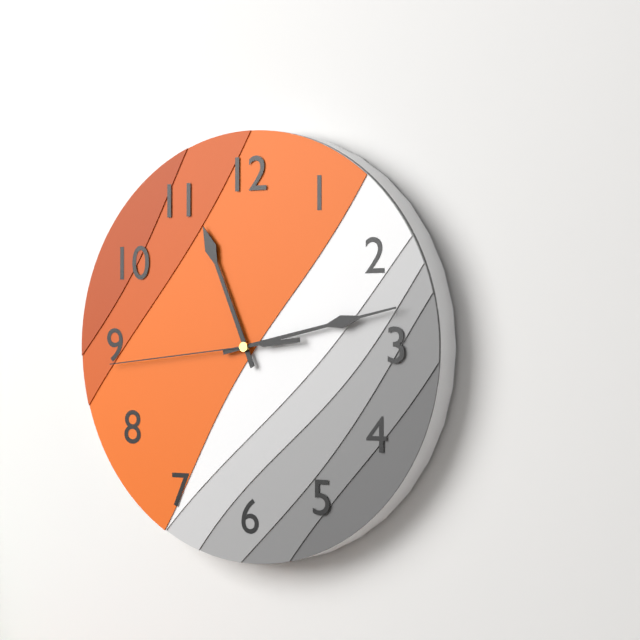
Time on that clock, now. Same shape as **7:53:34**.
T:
**11:13:44**
